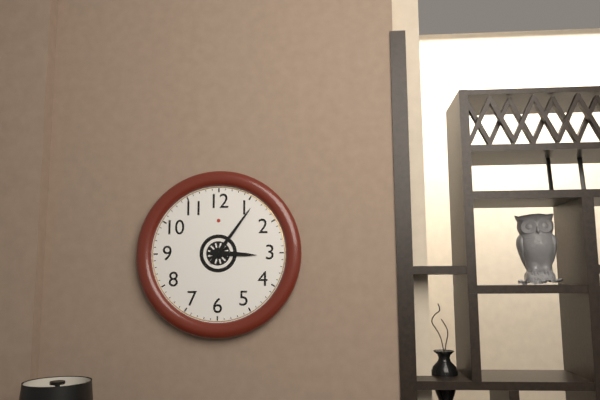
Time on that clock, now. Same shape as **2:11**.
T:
**3:06**
